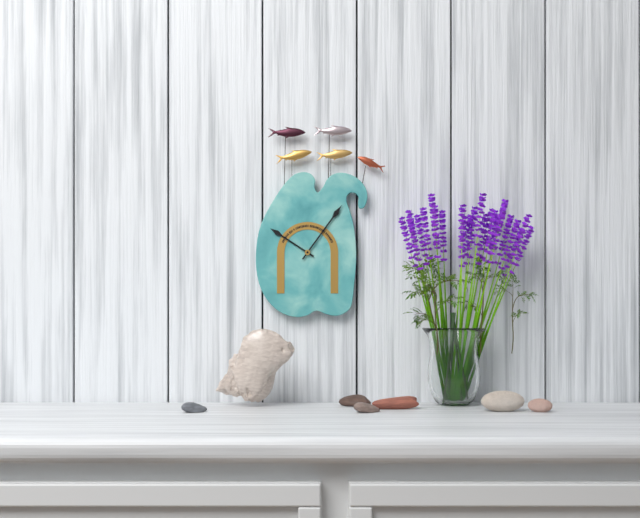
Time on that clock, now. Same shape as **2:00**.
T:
**10:06**
